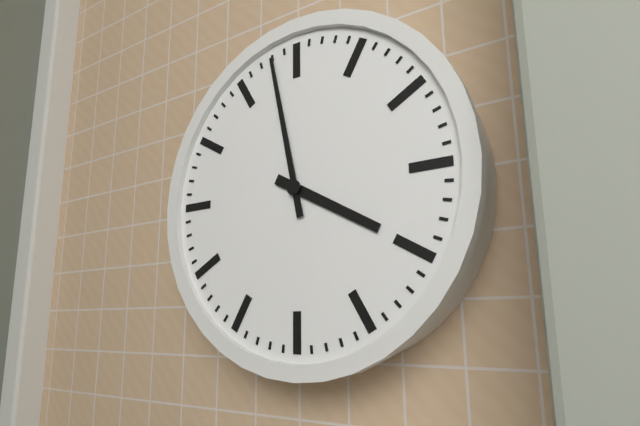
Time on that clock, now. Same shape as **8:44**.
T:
**3:58**
